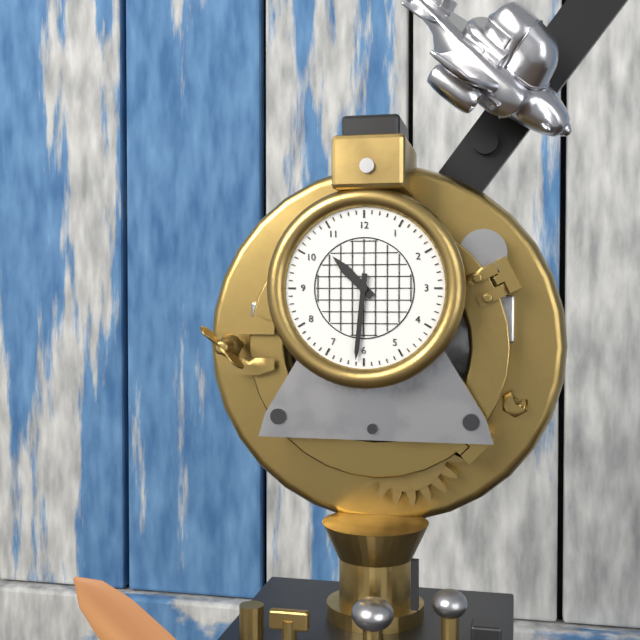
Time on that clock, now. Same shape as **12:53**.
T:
**10:31**
